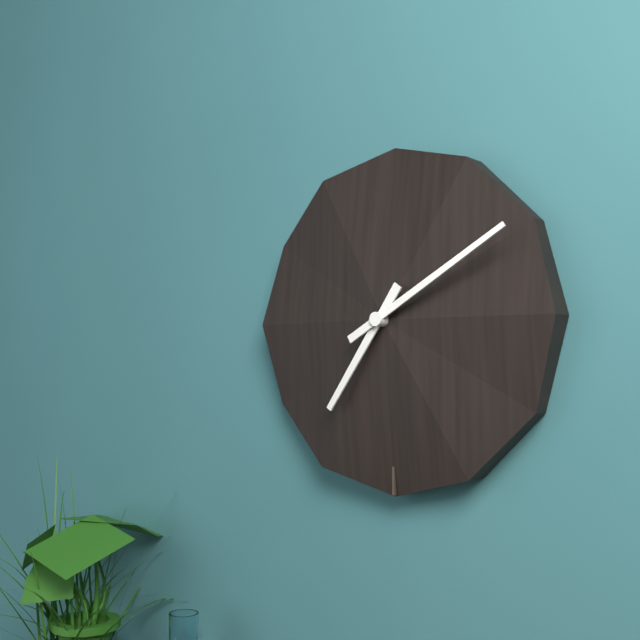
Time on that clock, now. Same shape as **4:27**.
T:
**7:10**
